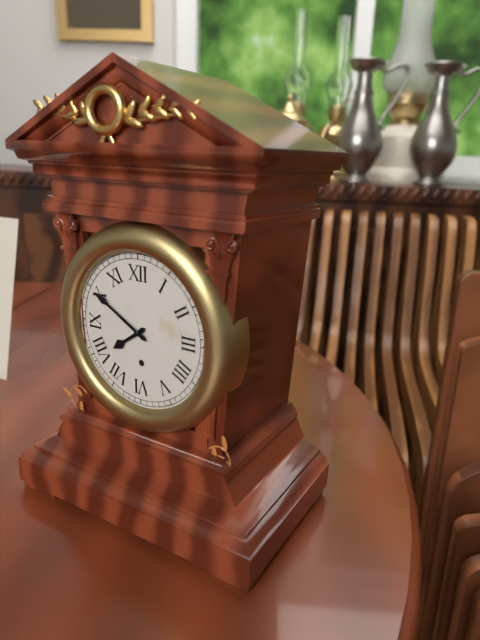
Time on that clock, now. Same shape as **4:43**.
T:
**7:50**
